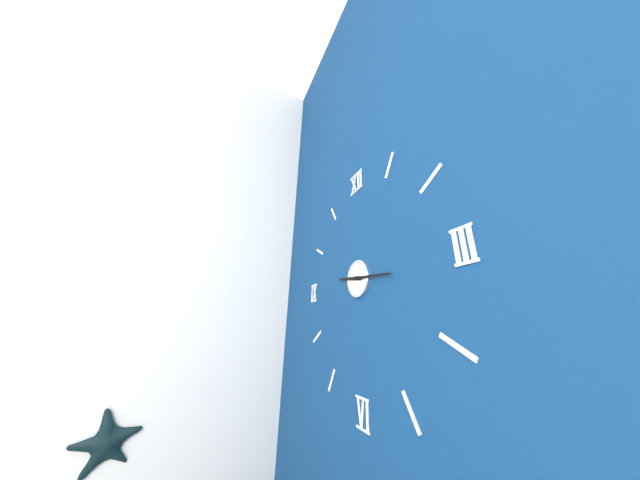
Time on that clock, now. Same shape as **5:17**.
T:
**9:16**
